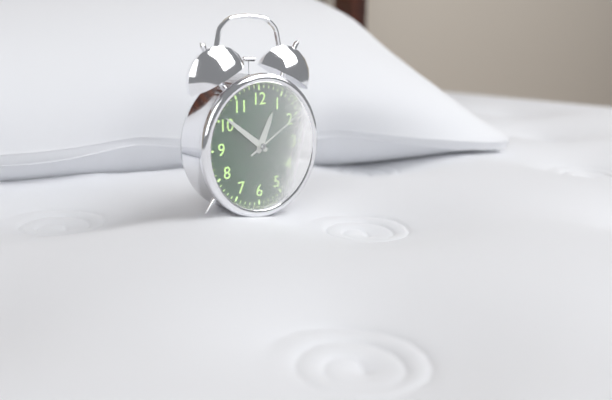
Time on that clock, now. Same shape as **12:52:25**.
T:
**12:51:10**
